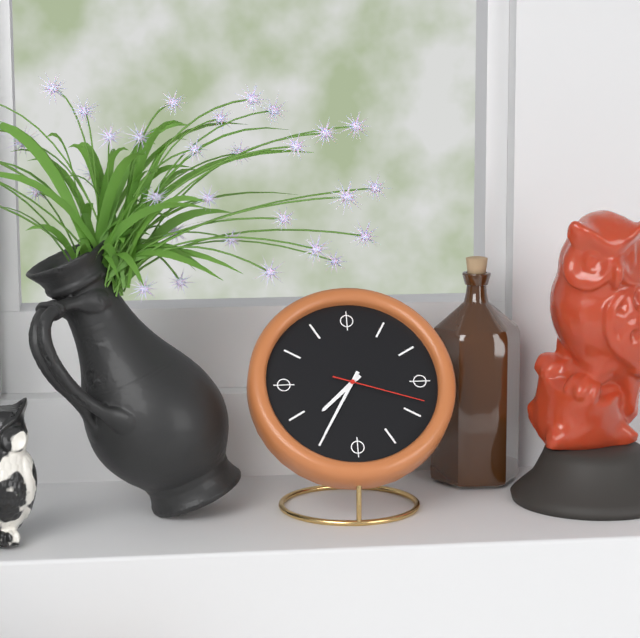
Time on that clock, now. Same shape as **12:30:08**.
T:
**7:35:18**
